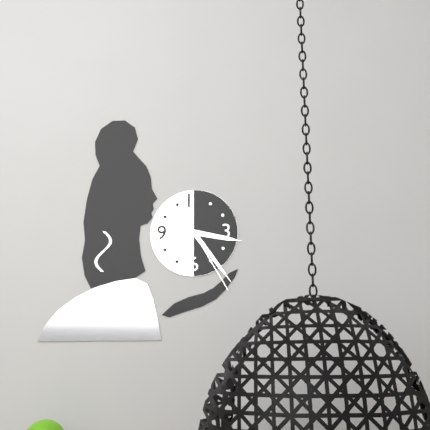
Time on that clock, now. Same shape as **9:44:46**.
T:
**3:24:25**
